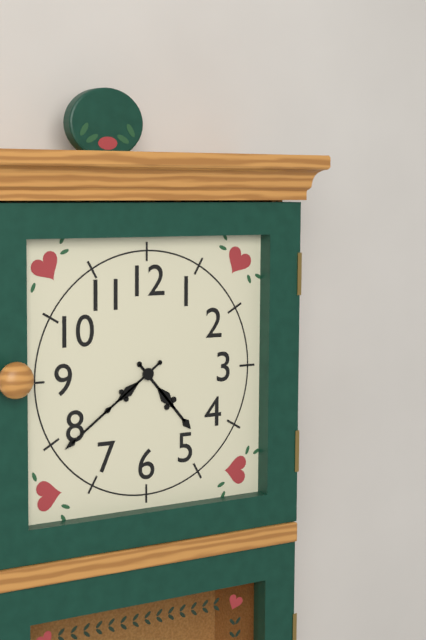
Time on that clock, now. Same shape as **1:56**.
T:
**4:39**
